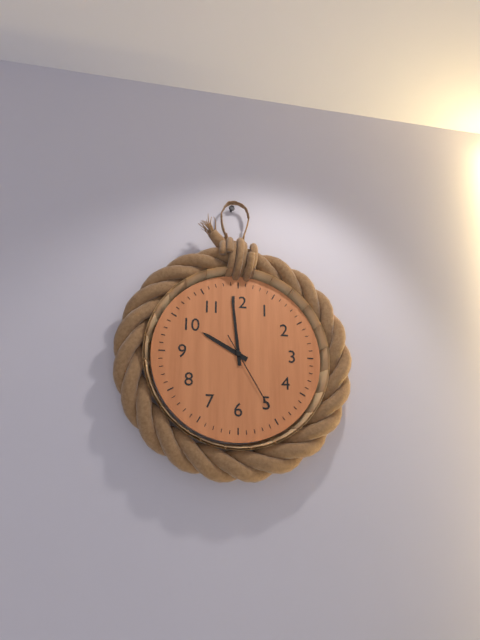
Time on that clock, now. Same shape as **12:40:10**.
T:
**9:59:25**
